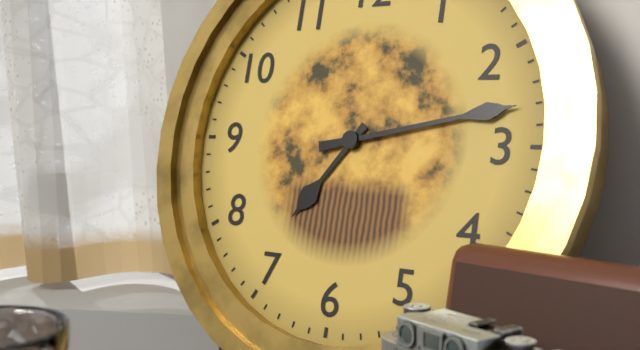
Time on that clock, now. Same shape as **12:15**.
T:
**7:13**
